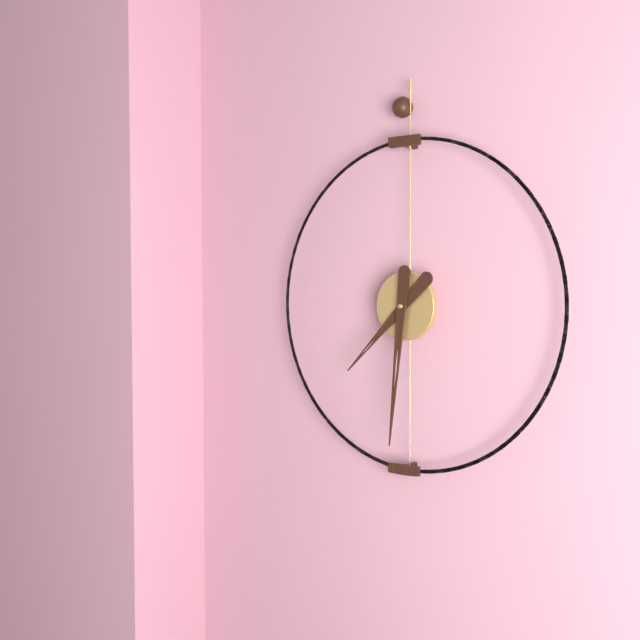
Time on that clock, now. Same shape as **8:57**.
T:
**7:31**
